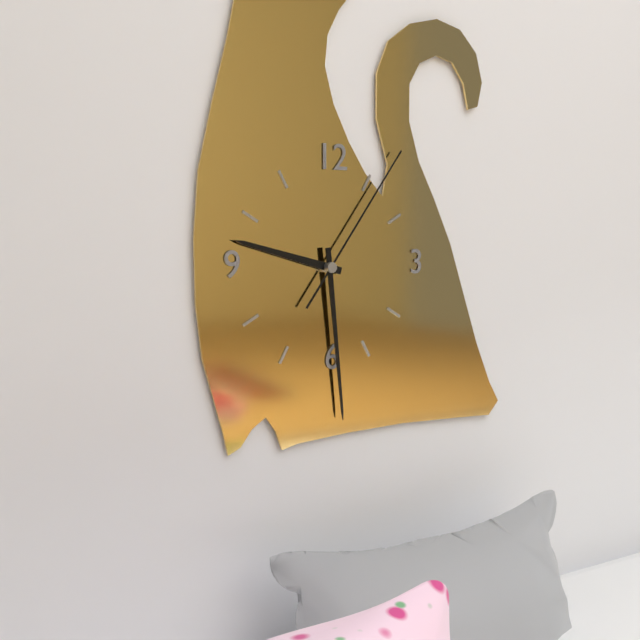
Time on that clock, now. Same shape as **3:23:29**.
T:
**9:29:06**
